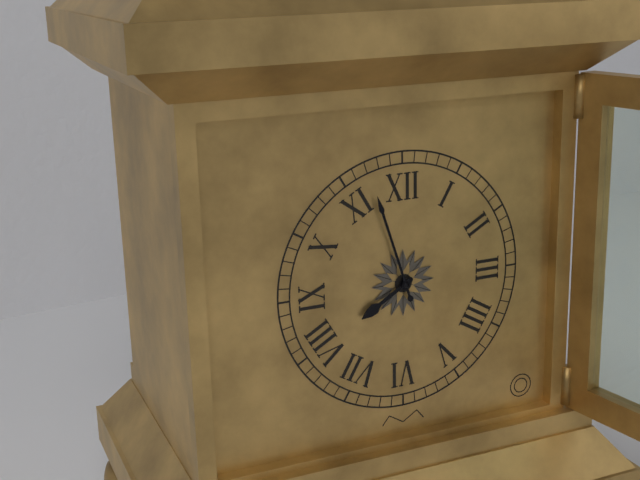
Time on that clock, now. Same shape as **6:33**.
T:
**7:57**
